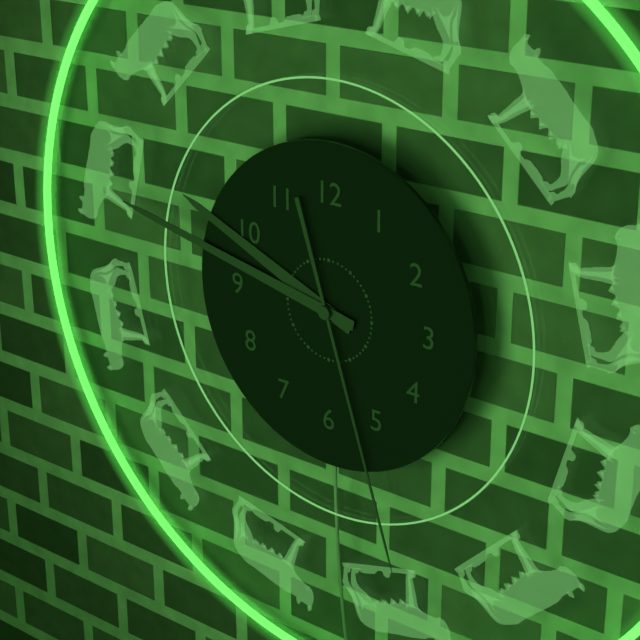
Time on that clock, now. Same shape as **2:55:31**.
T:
**9:47:27**
